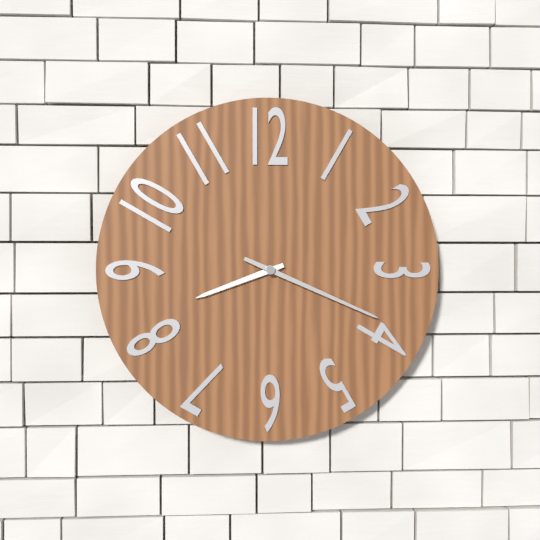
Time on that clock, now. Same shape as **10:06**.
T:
**8:19**
